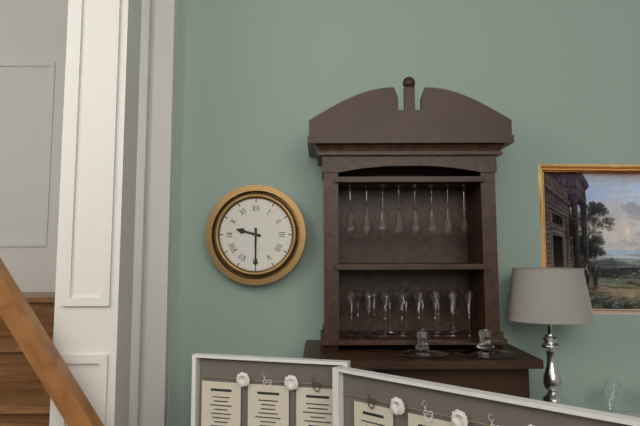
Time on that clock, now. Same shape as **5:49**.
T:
**9:30**
